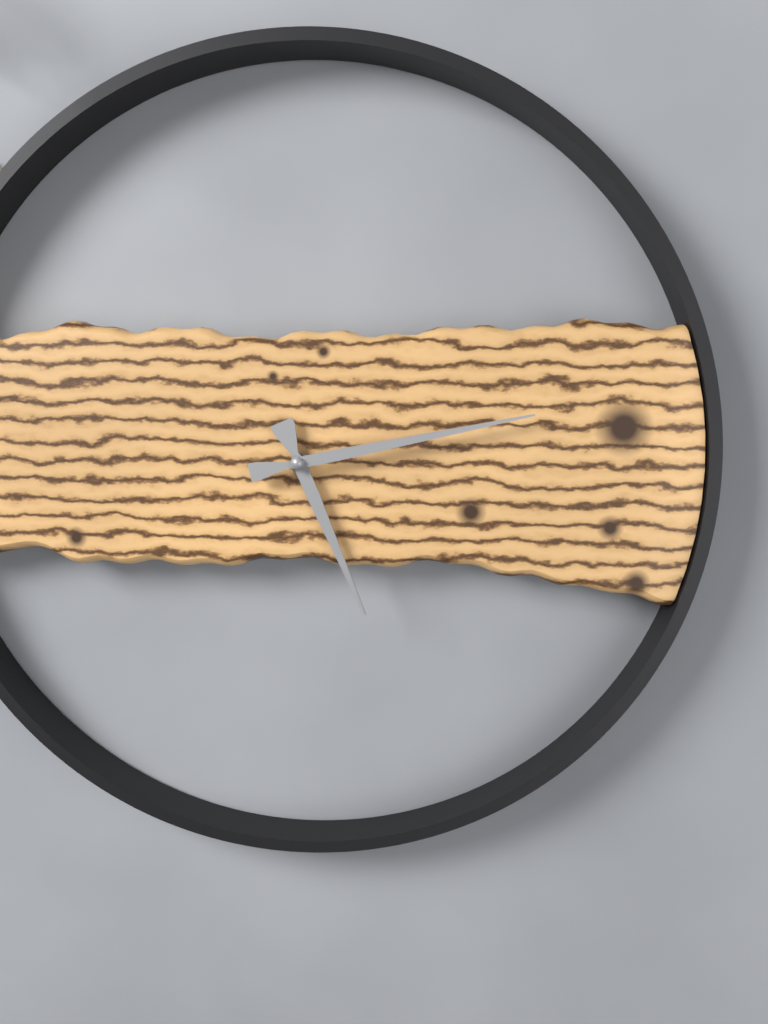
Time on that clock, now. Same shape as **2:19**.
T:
**5:13**
